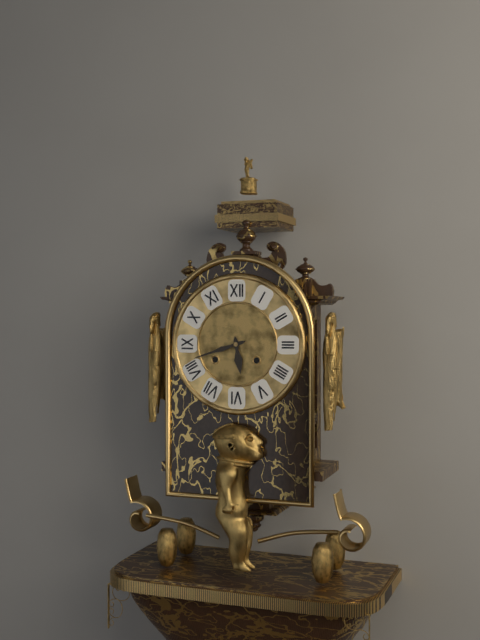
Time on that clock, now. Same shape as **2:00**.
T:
**5:42**
